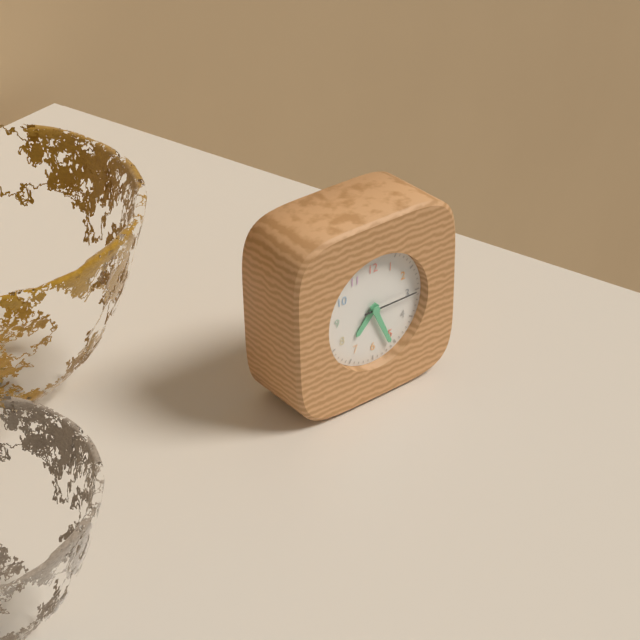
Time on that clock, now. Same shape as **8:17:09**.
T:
**7:26:15**
